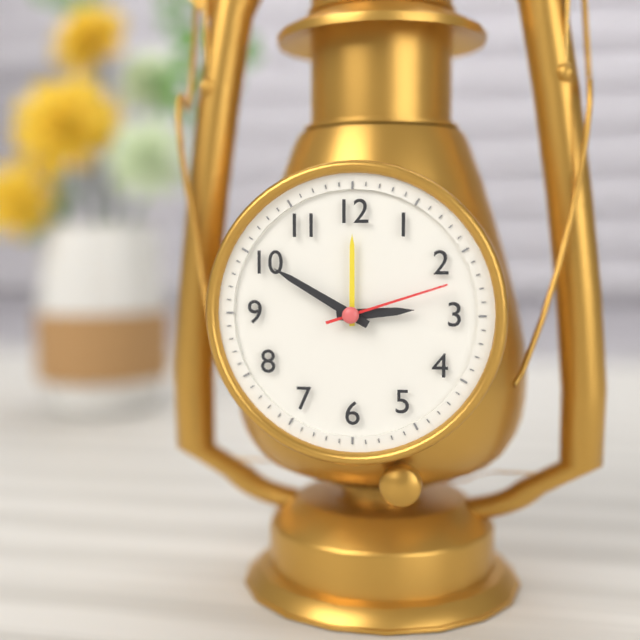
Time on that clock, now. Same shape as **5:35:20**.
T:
**2:50:12**
